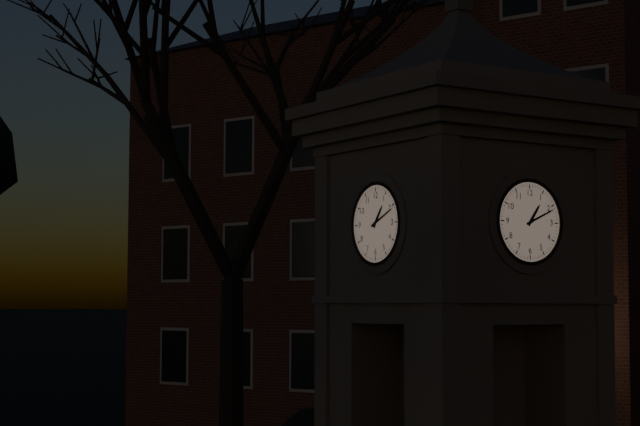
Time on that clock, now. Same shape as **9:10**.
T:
**1:11**
